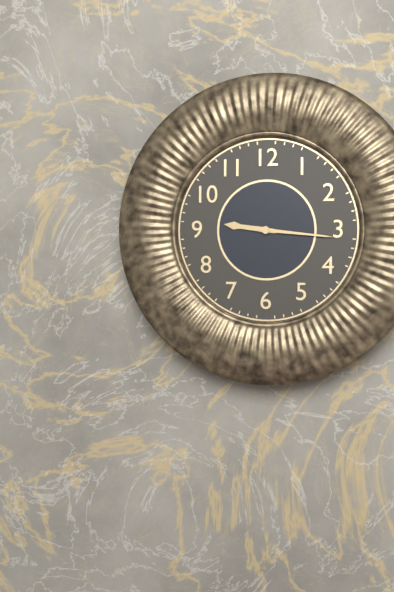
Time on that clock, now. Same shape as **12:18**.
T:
**9:16**
